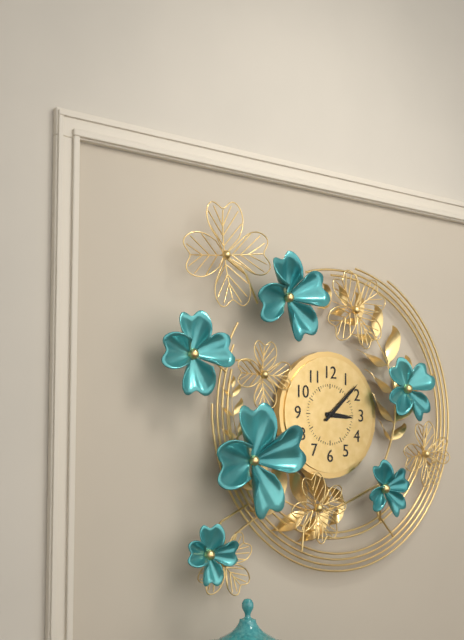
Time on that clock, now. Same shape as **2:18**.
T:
**3:08**
